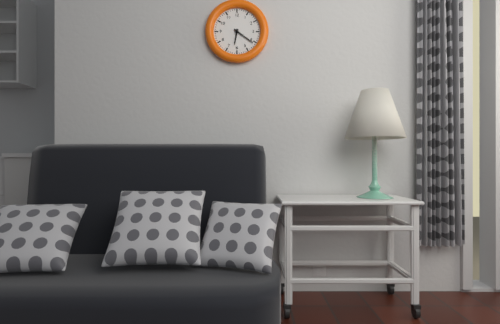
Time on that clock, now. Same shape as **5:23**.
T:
**6:21**
